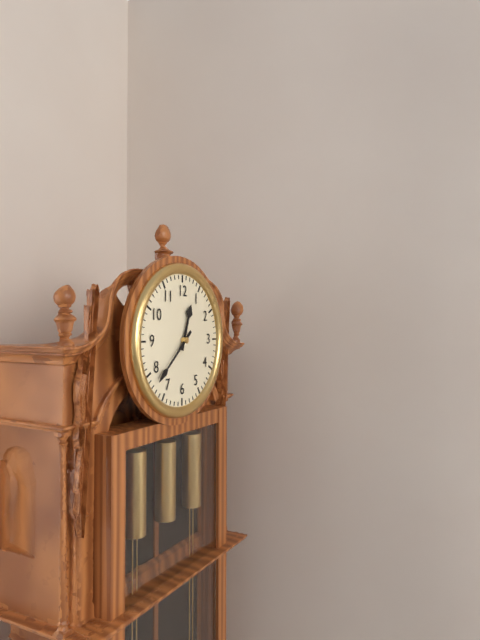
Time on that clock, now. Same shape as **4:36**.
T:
**12:38**
